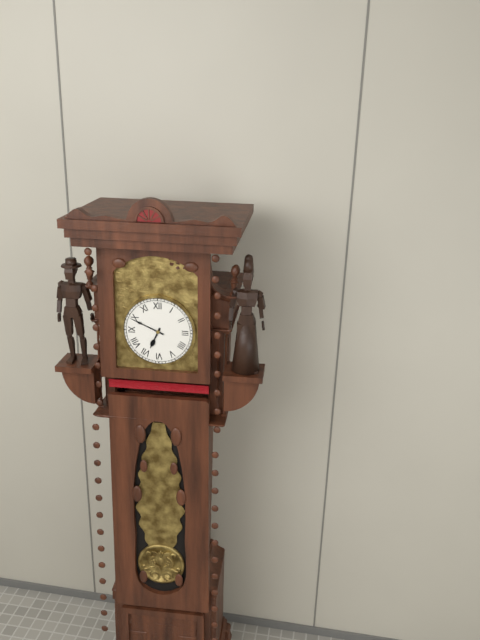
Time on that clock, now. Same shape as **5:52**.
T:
**6:49**
